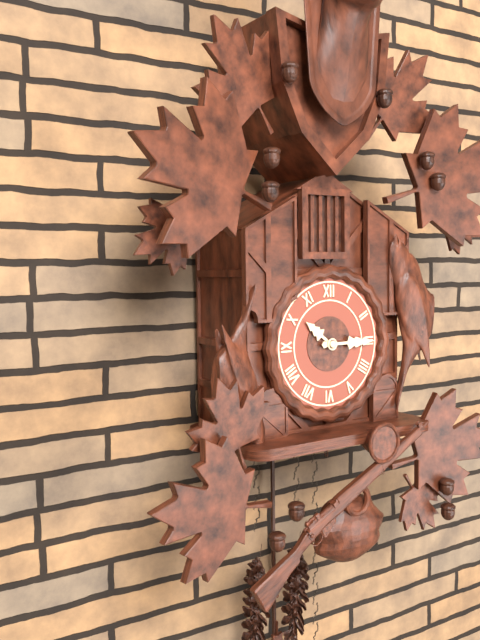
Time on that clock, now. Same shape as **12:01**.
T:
**10:15**
